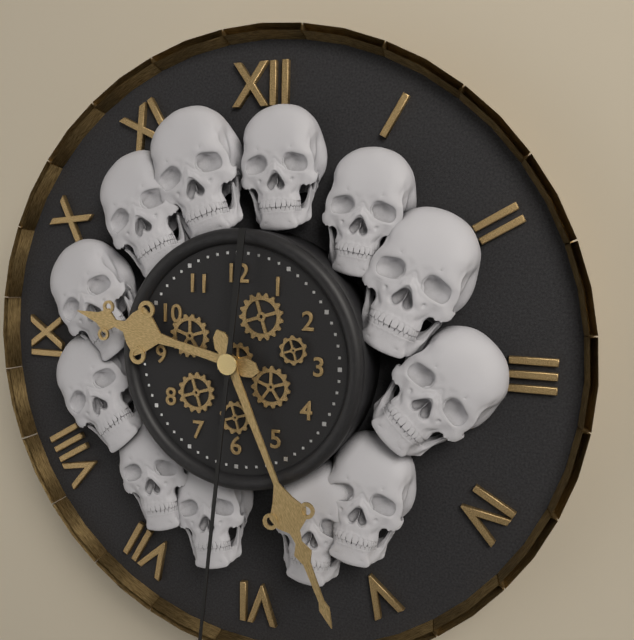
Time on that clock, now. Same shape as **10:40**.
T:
**9:26**
